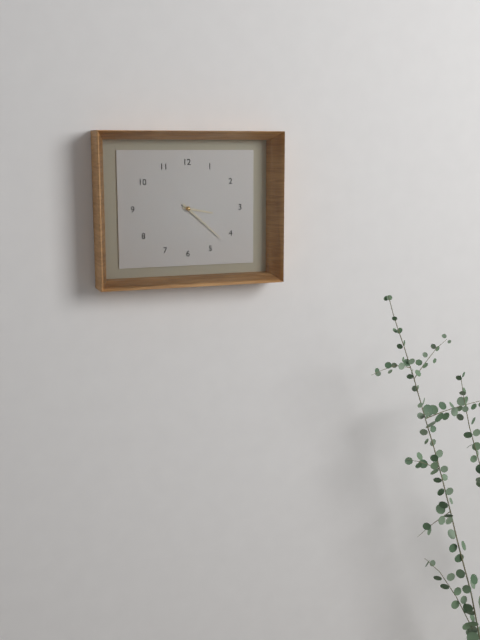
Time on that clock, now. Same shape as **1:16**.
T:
**3:22**
